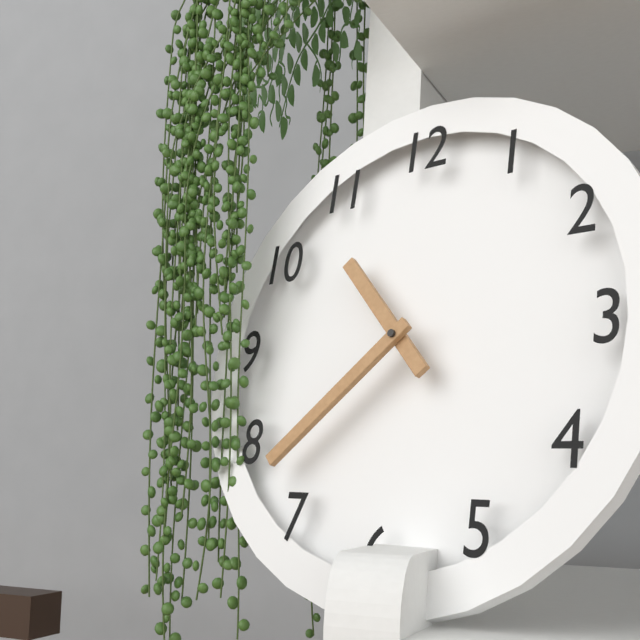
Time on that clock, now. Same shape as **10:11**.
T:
**10:38**
